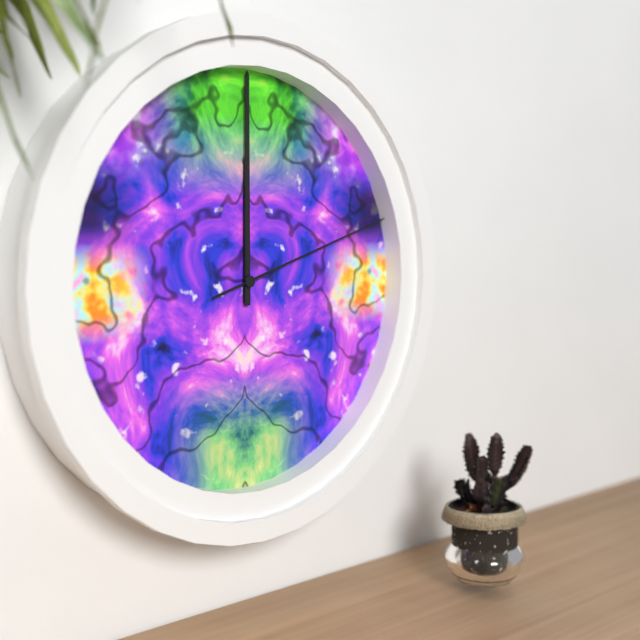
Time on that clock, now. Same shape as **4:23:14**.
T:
**12:00:12**
